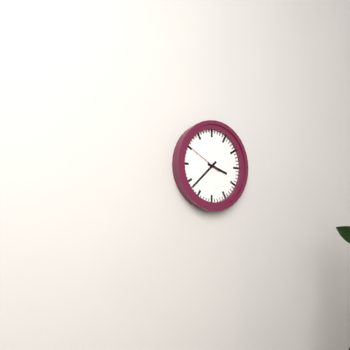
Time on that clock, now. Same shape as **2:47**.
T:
**3:38**
